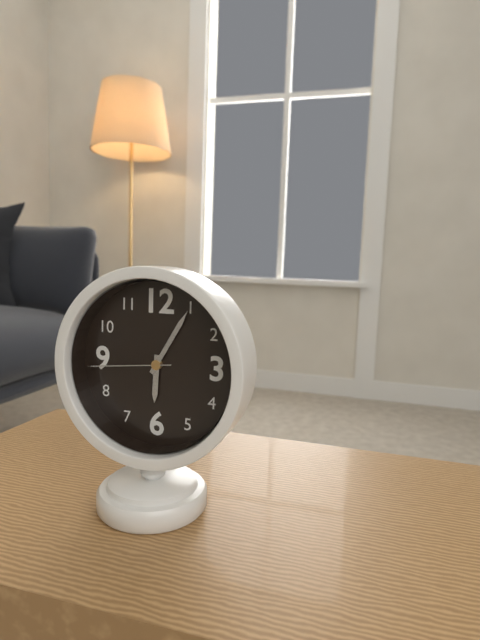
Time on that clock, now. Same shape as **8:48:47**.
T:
**6:05:44**
